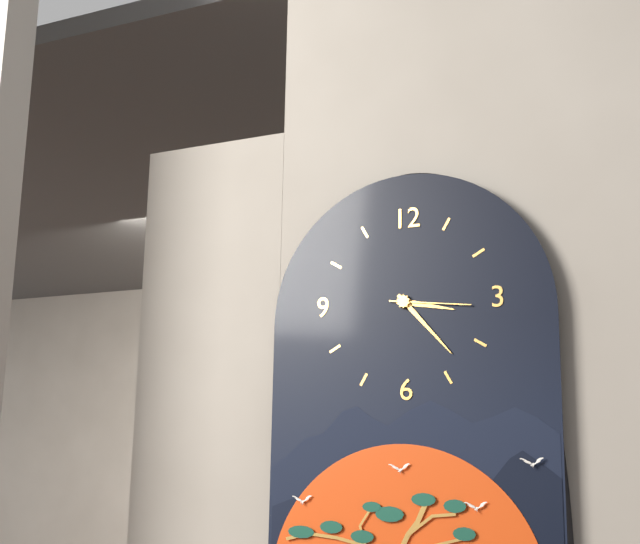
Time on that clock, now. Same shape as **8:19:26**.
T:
**3:23:16**
